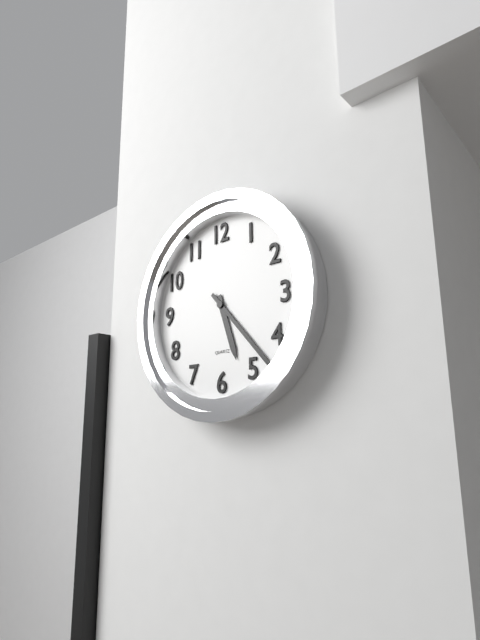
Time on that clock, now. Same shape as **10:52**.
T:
**5:23**
